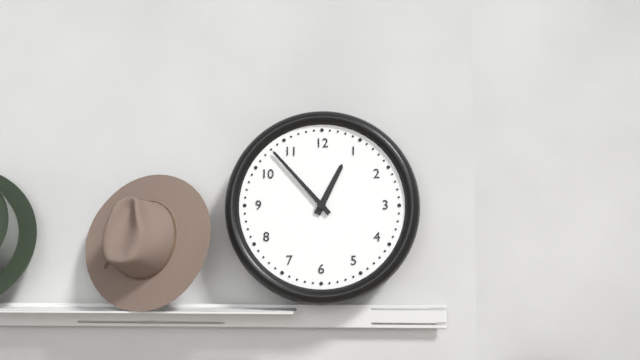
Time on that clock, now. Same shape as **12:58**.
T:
**12:53**
